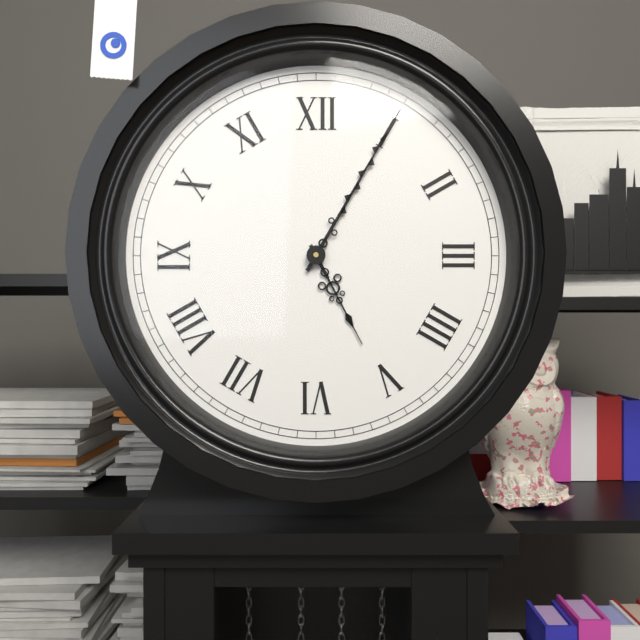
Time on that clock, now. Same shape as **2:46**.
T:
**5:05**
